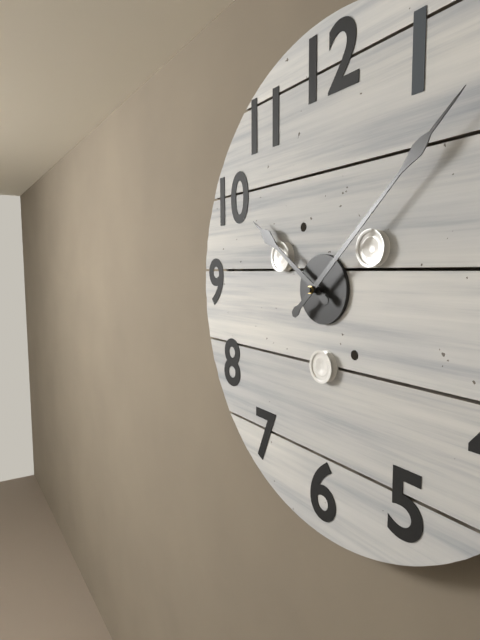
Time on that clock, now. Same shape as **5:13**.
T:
**10:08**
